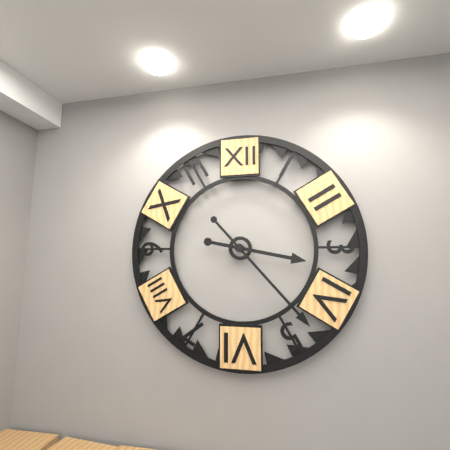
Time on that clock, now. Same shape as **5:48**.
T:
**3:23**
